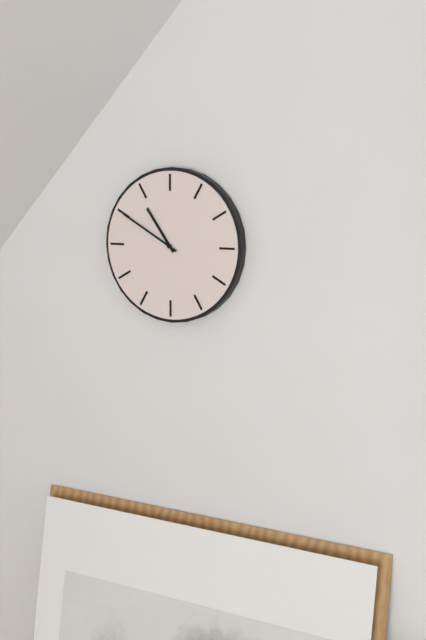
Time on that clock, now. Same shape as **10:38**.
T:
**10:50**
